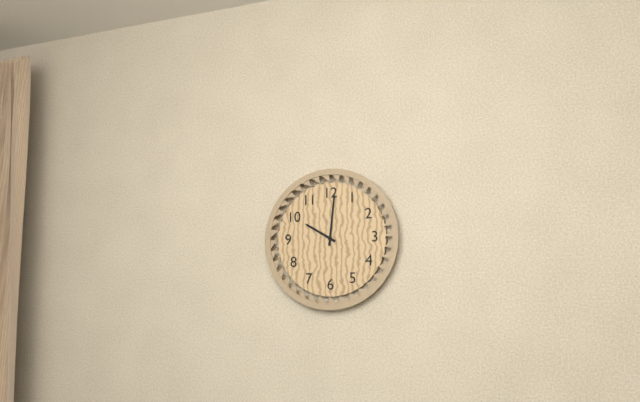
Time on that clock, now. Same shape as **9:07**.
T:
**10:01**
